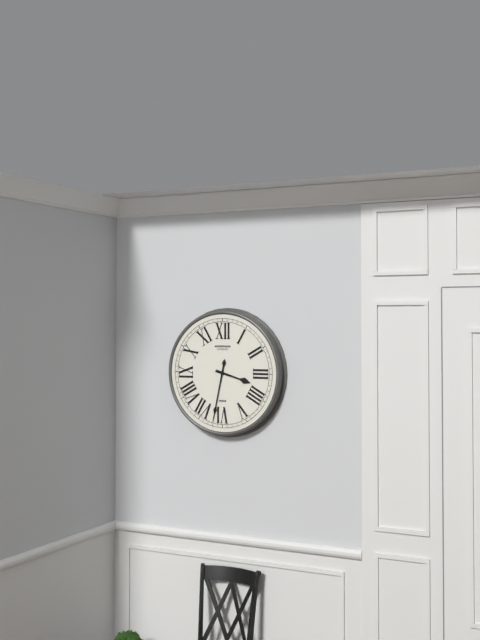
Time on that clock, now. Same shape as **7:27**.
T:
**3:32**
